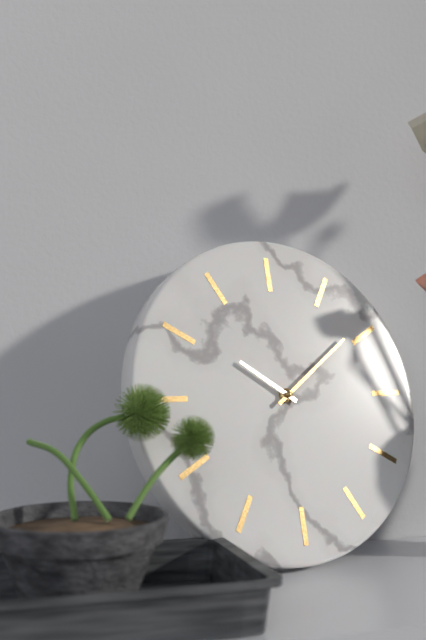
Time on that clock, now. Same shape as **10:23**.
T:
**10:09**
